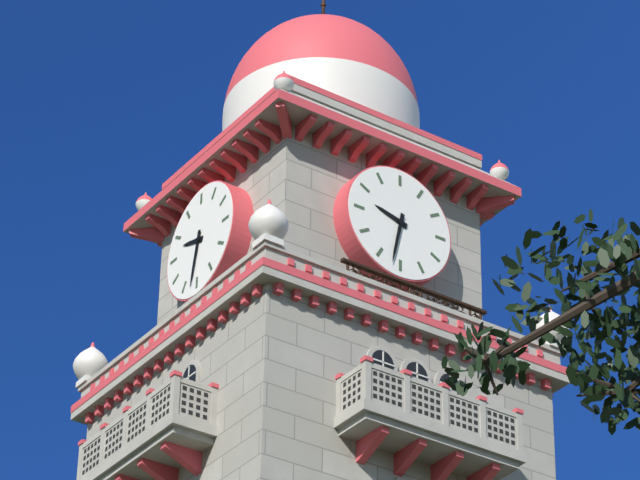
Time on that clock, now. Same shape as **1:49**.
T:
**9:32**
